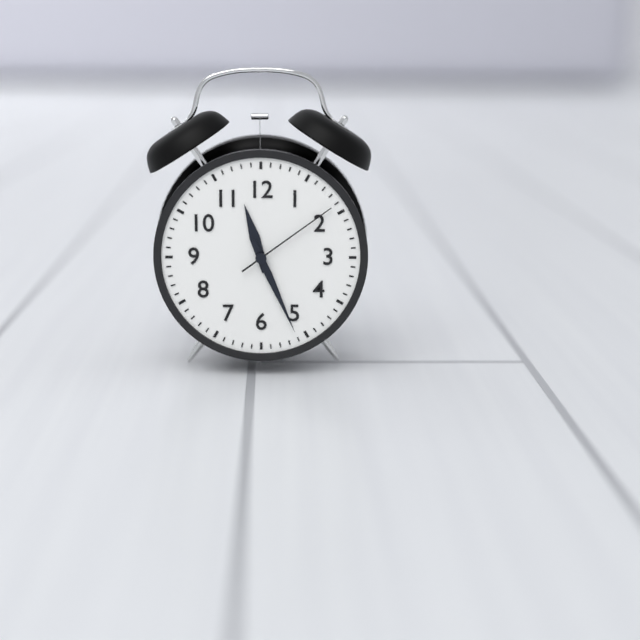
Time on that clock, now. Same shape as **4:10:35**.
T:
**11:26:09**
